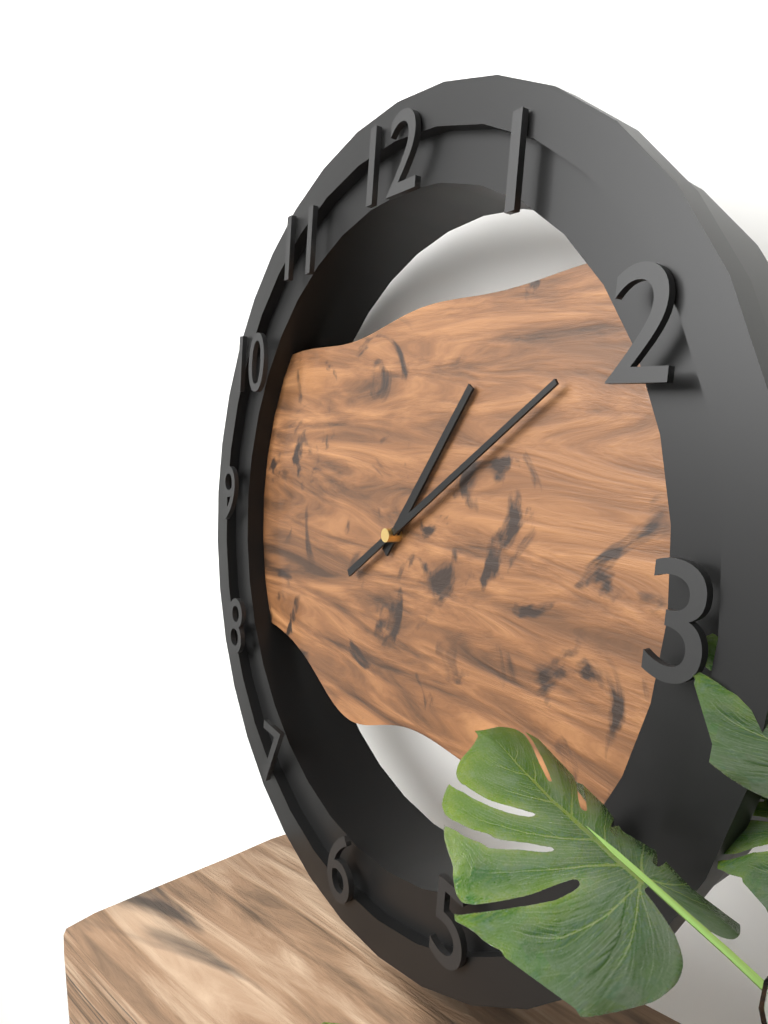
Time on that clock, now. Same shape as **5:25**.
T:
**1:09**
